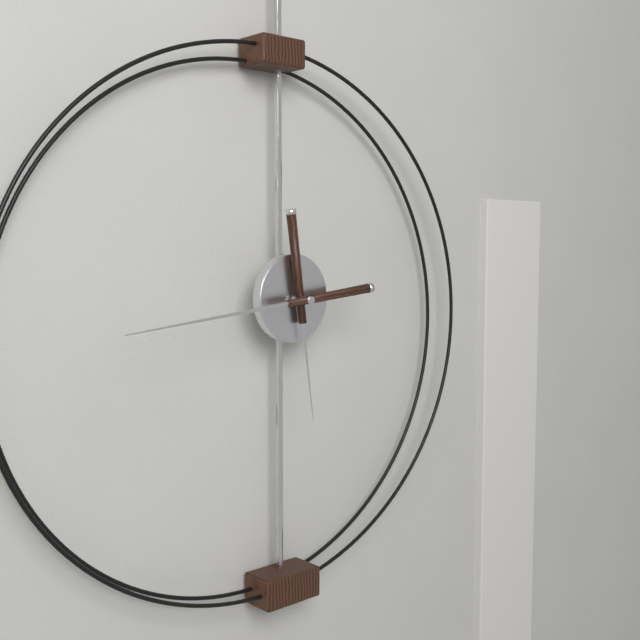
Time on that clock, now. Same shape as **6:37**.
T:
**5:44**
